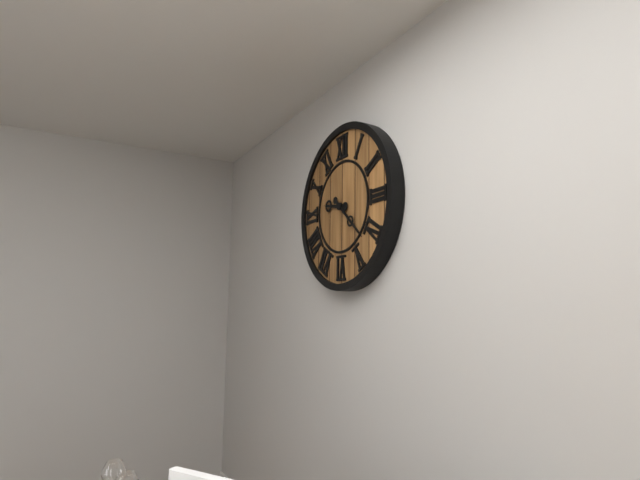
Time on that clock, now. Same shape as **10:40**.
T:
**9:22**
